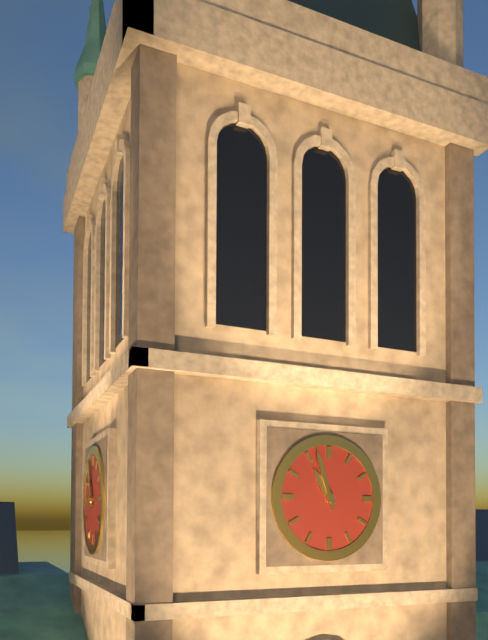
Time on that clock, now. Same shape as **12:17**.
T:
**10:57**
